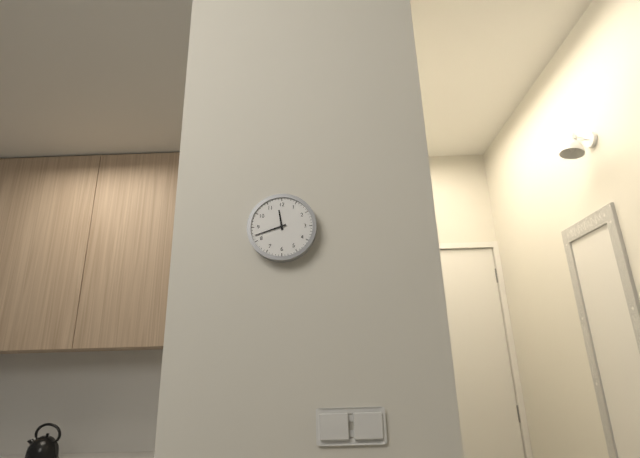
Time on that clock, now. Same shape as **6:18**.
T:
**11:42**
